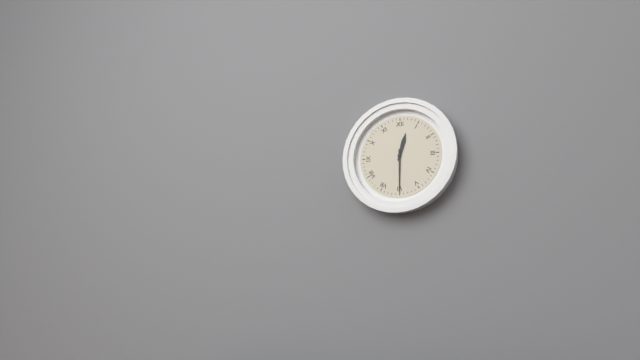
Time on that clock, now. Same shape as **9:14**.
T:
**12:30**
